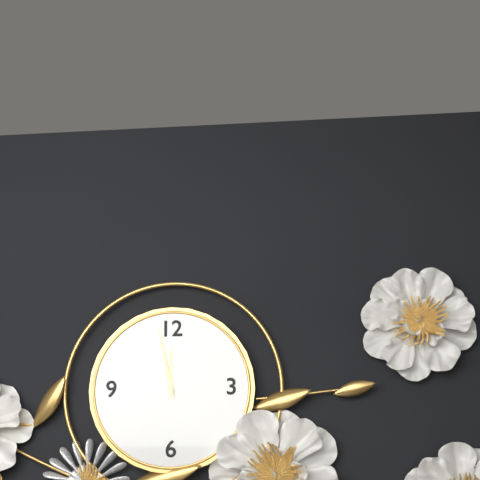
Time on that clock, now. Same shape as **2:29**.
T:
**11:58**
